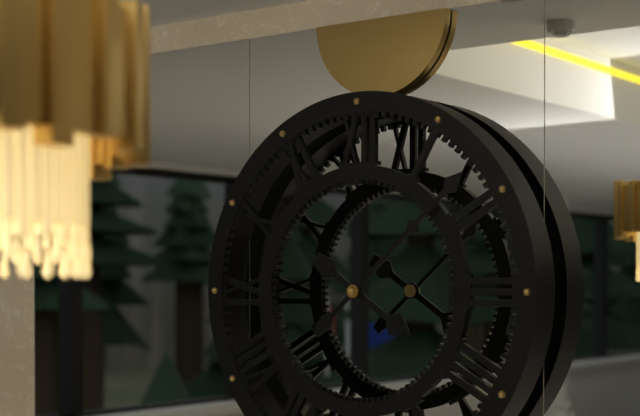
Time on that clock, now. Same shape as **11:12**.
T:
**4:08**
